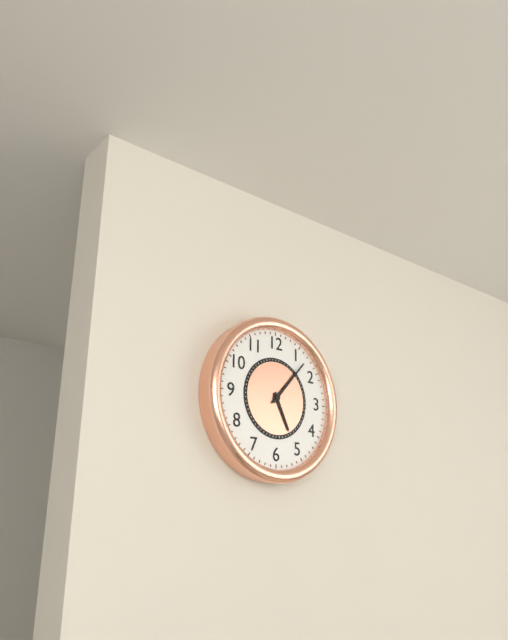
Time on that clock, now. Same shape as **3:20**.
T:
**5:07**
